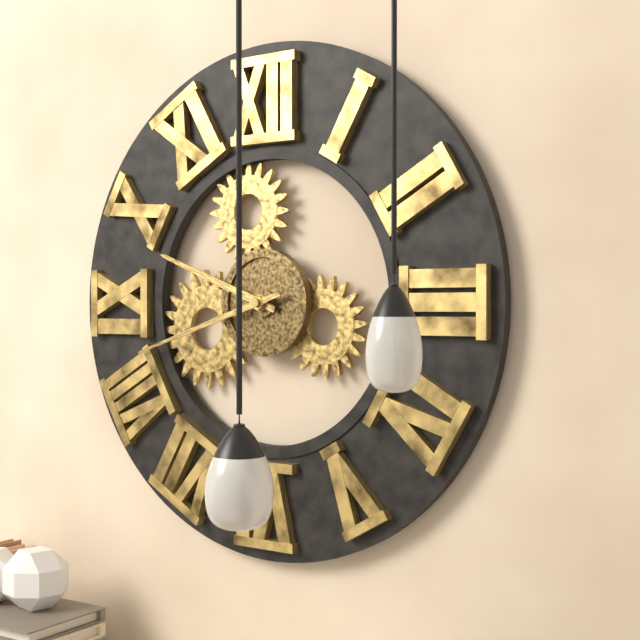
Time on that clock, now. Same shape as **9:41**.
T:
**9:42**
